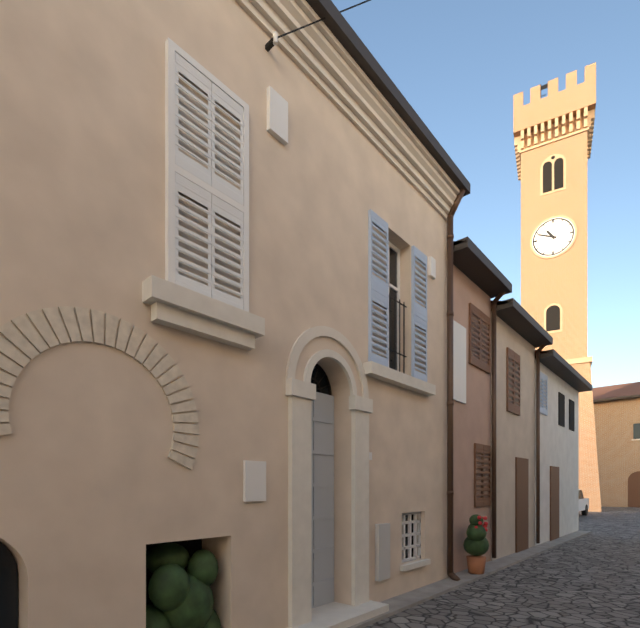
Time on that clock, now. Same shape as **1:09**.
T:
**10:49**
